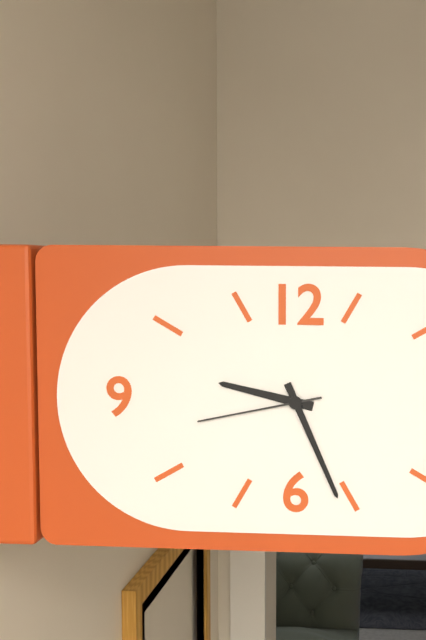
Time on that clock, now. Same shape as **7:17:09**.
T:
**9:26:43**
